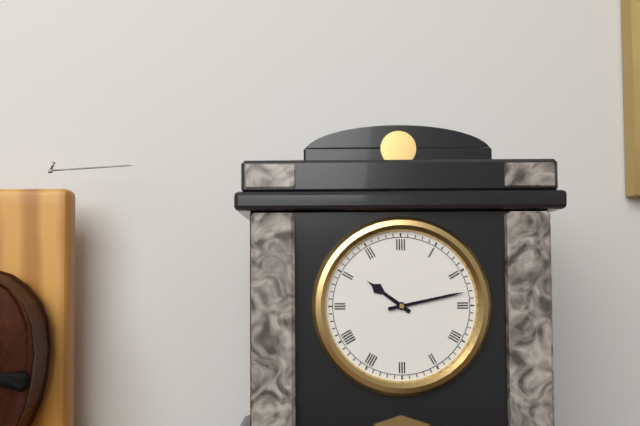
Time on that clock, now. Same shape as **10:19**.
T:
**10:13**
